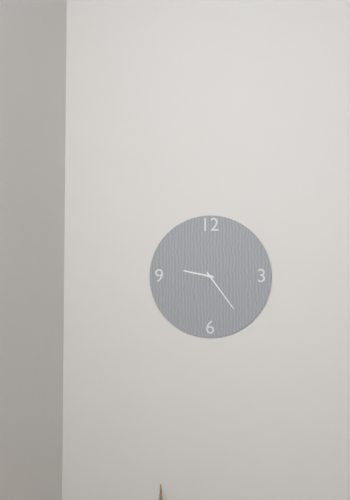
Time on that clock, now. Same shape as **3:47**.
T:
**9:24**
